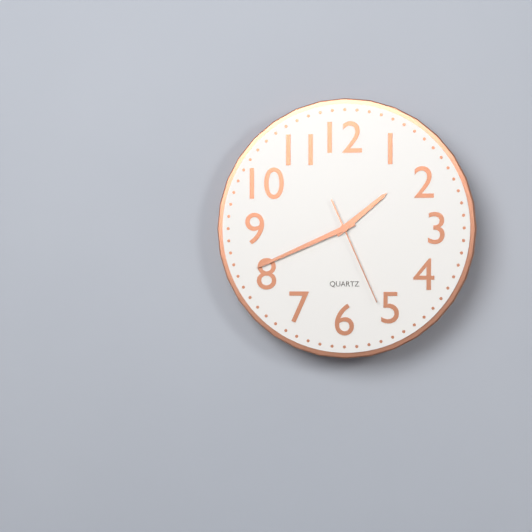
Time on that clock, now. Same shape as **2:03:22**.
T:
**1:41:26**
